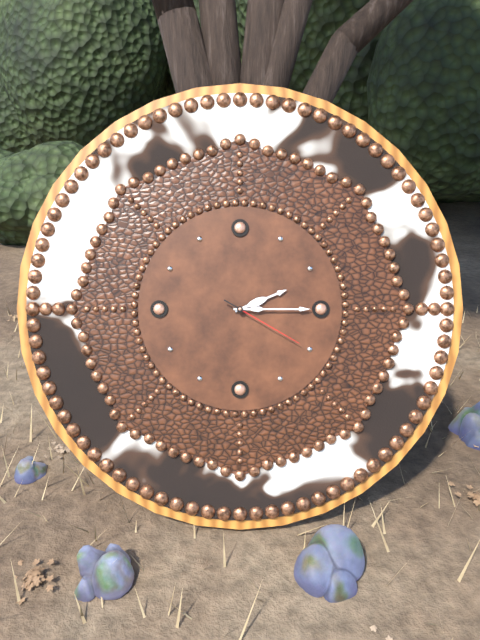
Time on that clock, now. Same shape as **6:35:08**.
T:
**2:15:20**
